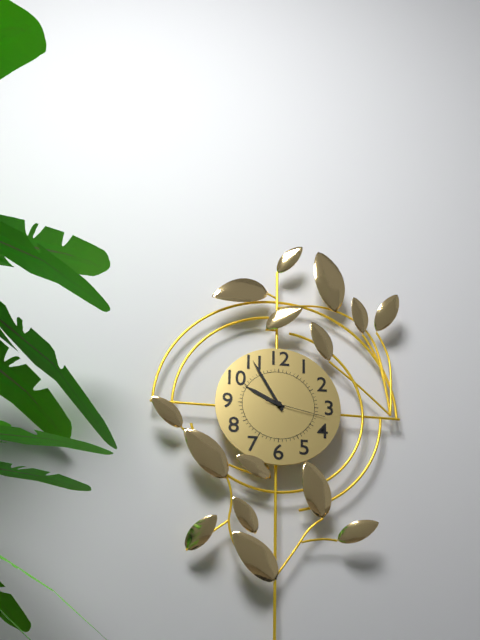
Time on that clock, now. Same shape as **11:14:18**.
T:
**9:55:17**
